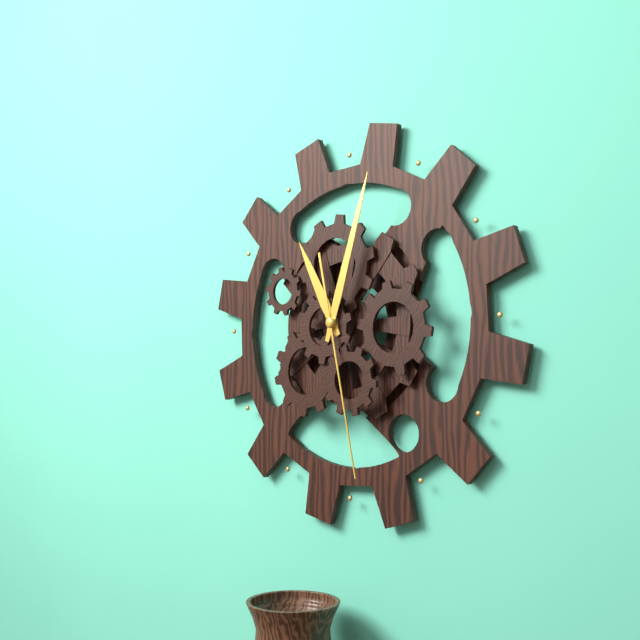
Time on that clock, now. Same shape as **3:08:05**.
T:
**11:03:28**
